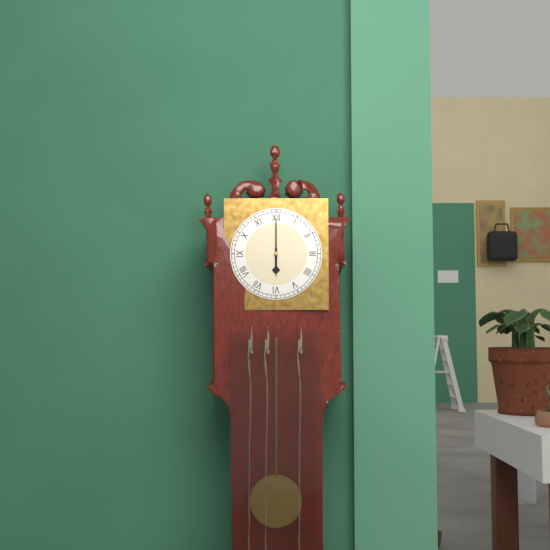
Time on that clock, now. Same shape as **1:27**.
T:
**6:00**
